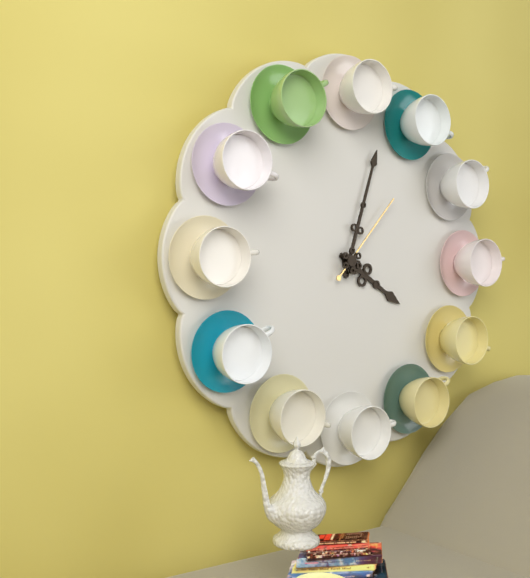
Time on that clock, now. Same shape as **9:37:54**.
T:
**4:03:07**
